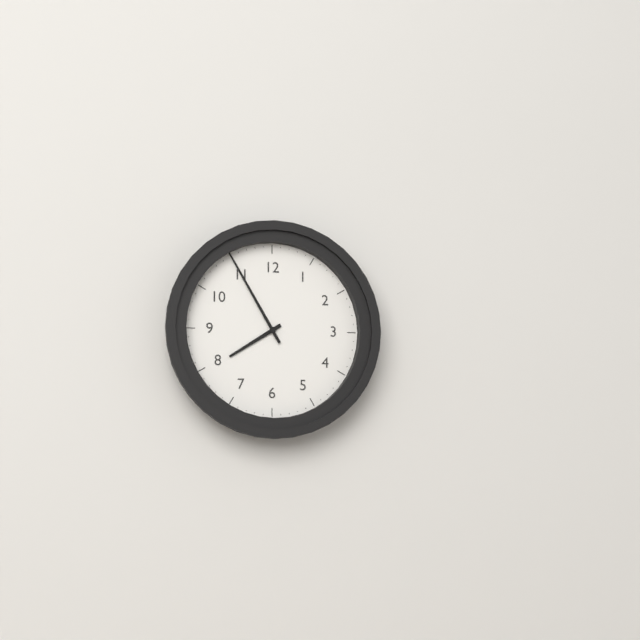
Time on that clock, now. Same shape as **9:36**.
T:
**7:55**
